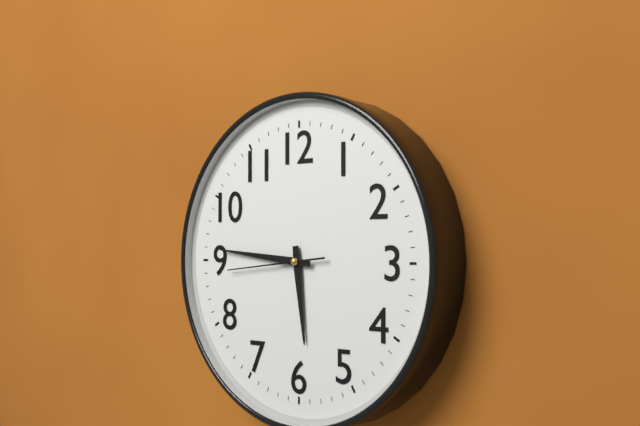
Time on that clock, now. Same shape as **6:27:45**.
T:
**5:46:44**
